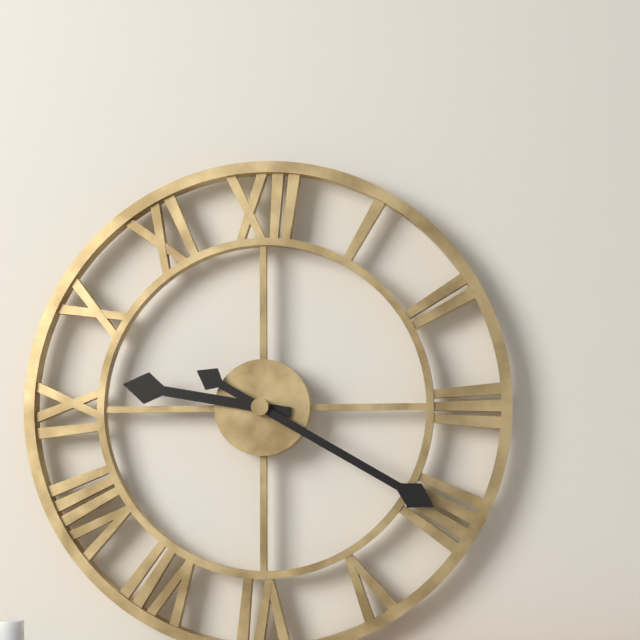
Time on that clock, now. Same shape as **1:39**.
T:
**9:20**
